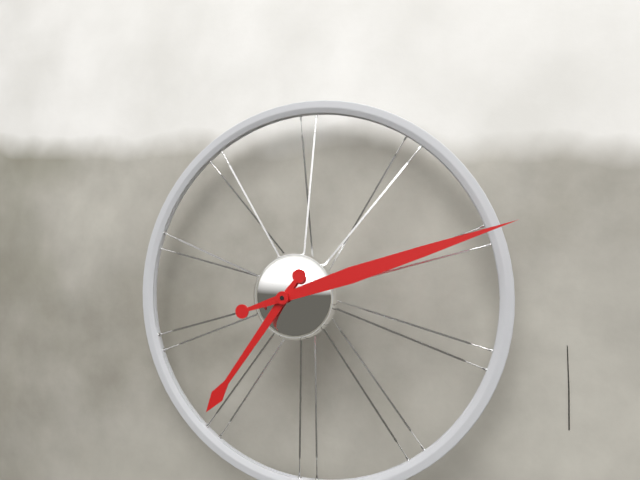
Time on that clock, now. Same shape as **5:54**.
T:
**7:12**
